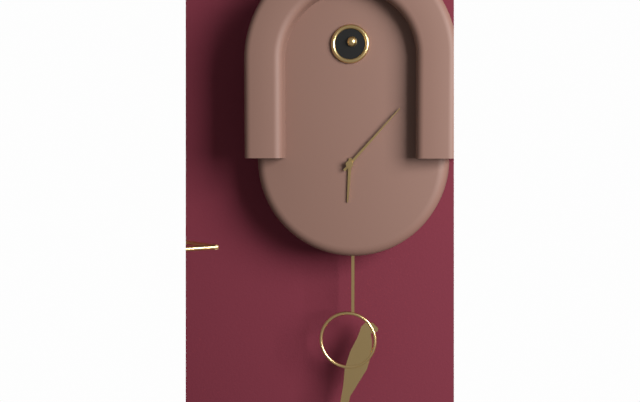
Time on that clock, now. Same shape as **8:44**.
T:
**6:07**
